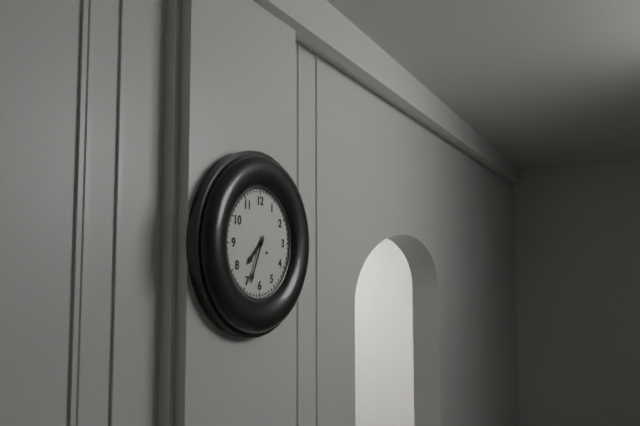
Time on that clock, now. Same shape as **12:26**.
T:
**7:34**
